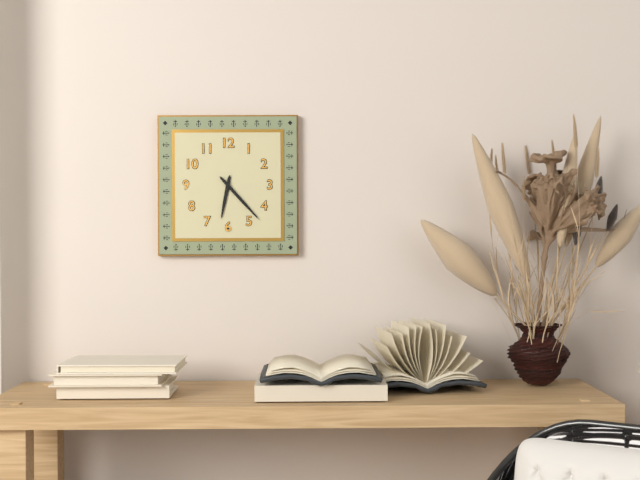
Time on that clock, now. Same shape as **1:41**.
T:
**6:23**
